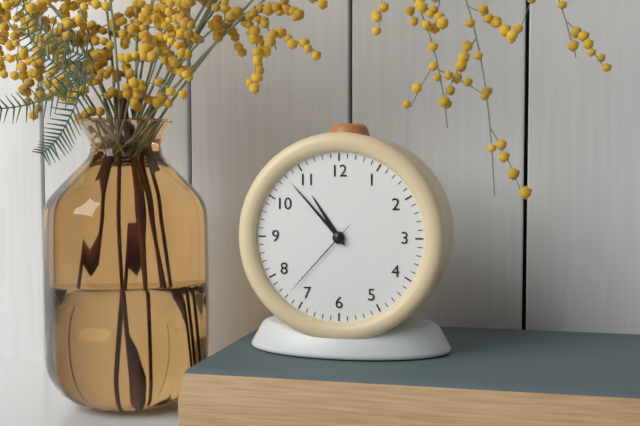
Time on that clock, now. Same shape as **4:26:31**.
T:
**10:53:37**
